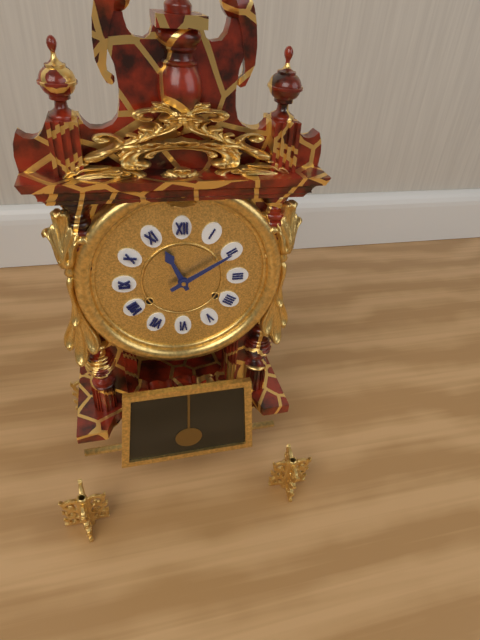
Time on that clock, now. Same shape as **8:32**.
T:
**11:10**
